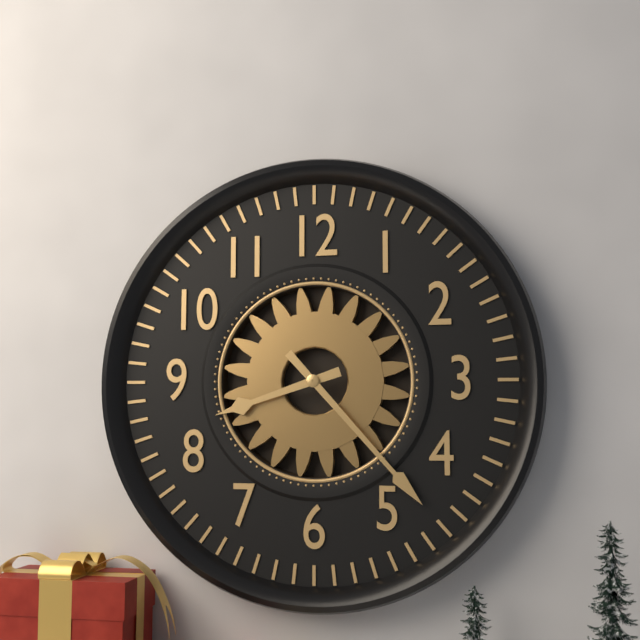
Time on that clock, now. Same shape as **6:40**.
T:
**8:23**
